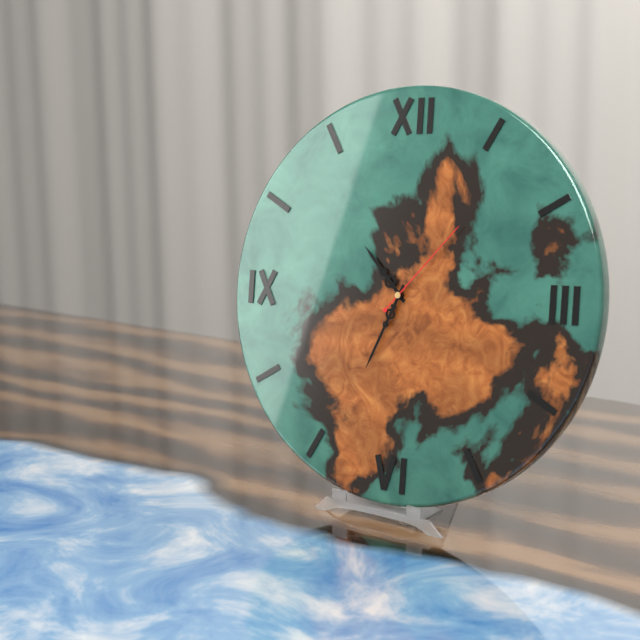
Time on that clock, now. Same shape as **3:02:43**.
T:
**10:34:07**
